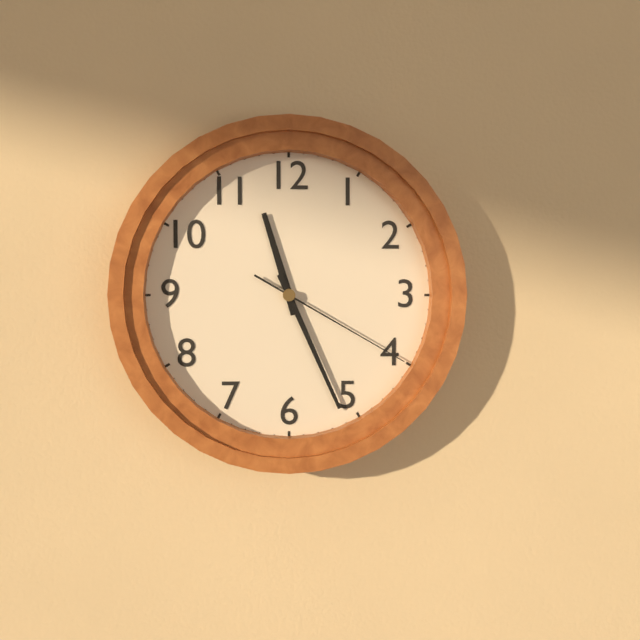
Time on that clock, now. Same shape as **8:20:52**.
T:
**11:26:20**
